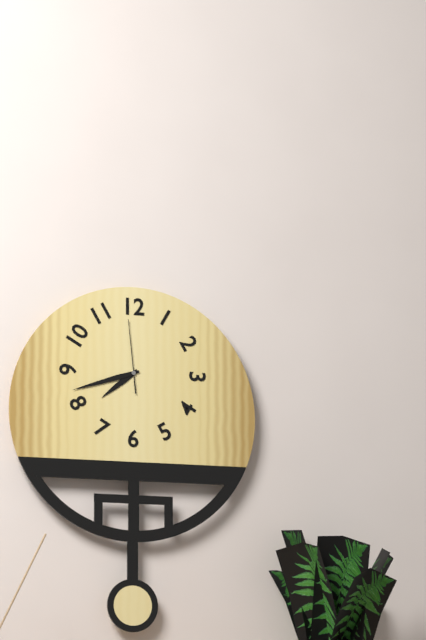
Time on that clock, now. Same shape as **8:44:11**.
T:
**7:42:59**
